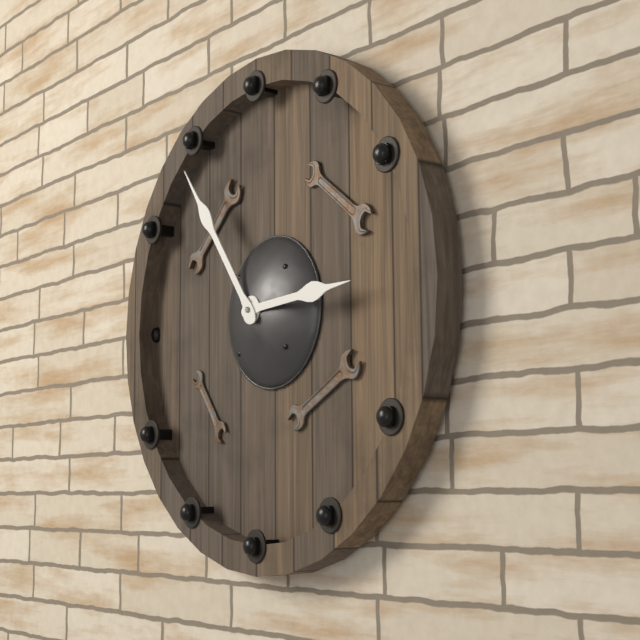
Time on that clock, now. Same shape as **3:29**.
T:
**2:54**
